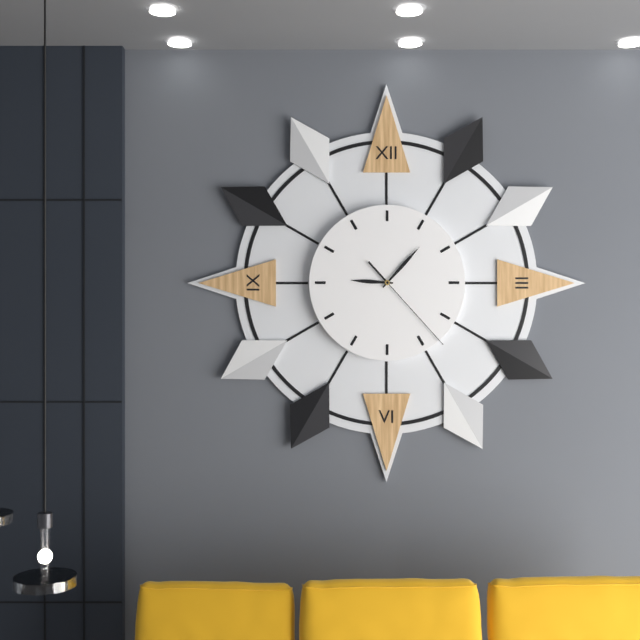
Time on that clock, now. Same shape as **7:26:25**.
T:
**9:07:23**
